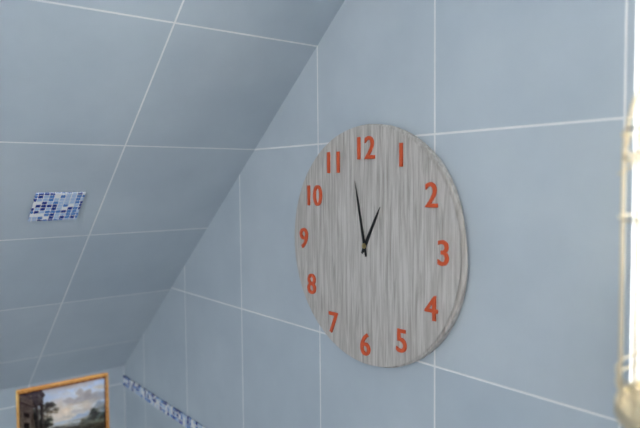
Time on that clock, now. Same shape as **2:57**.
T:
**12:58**
